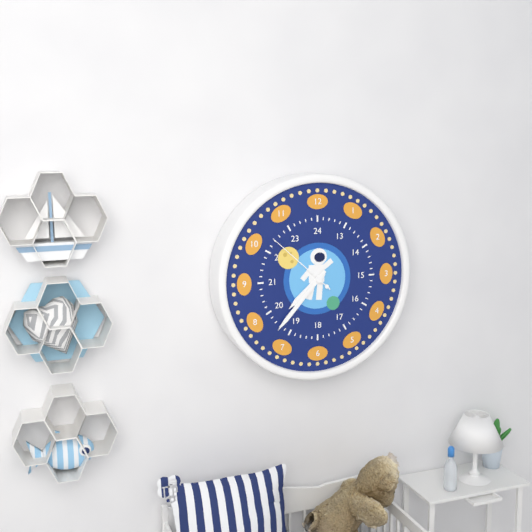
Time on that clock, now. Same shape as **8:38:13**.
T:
**7:37:52**
